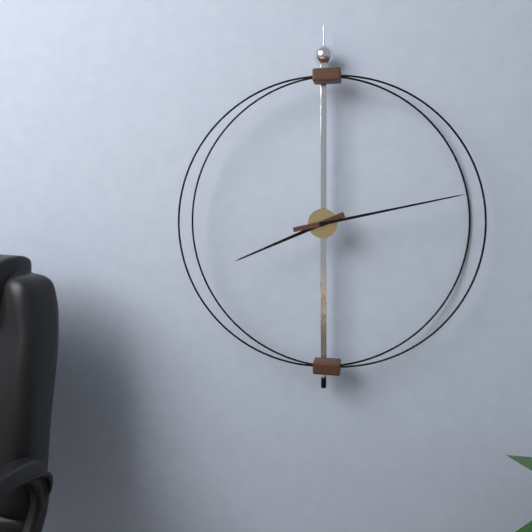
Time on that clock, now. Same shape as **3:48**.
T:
**8:13**
